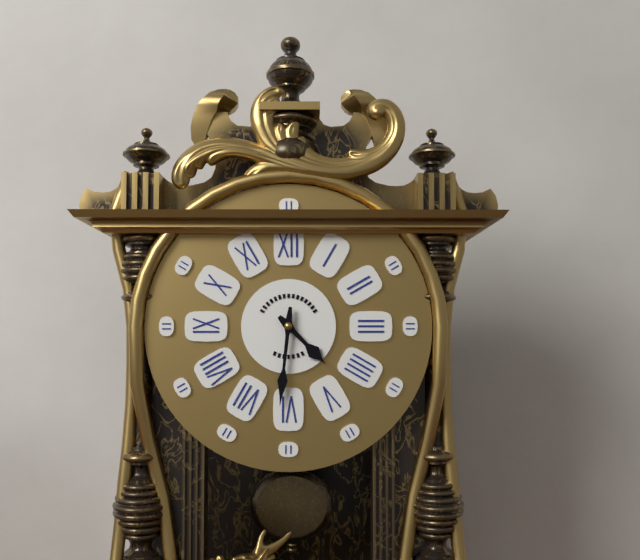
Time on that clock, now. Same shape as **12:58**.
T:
**4:31**
